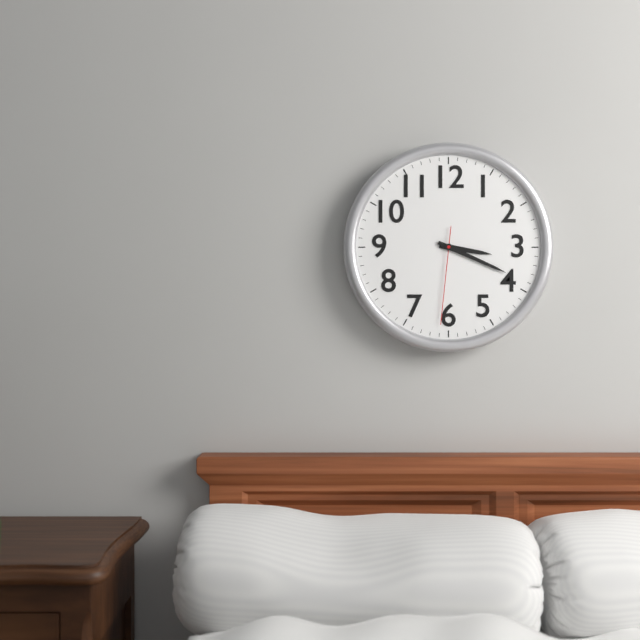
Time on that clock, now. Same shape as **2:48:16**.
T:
**3:19:31**
